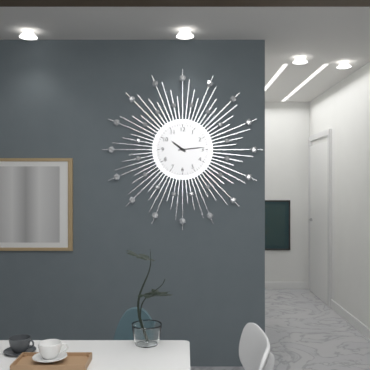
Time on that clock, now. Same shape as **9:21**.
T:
**10:14**
